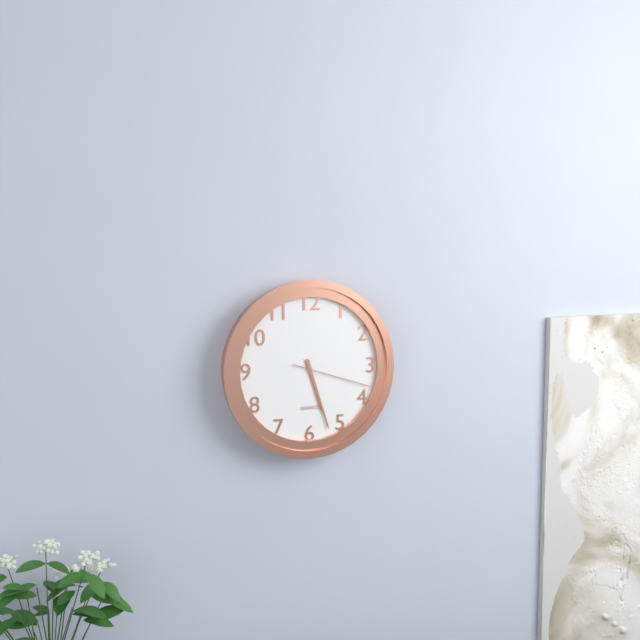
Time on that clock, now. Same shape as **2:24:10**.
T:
**5:27:18**
